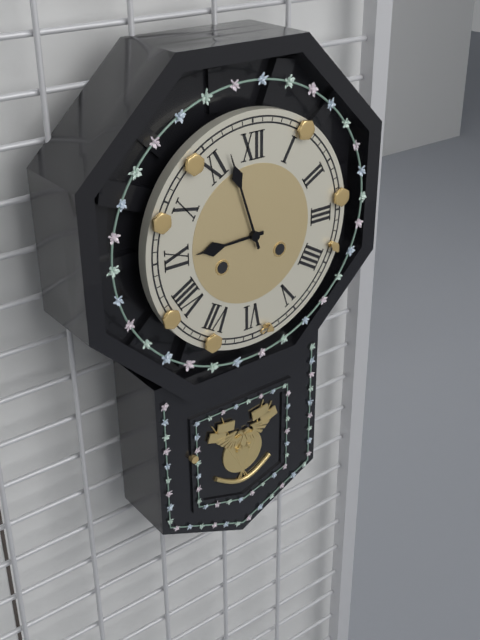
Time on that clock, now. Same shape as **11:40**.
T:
**8:57**
